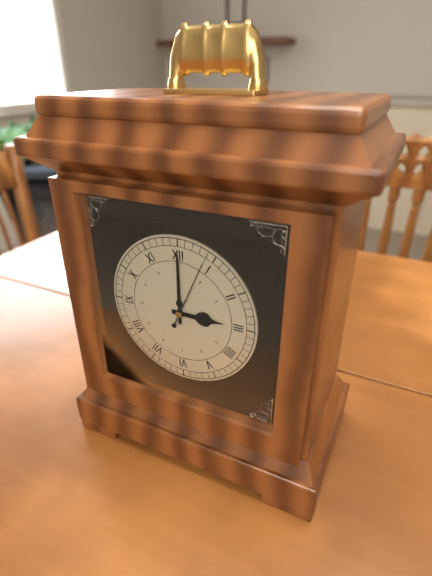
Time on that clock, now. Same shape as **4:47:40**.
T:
**3:00:04**
